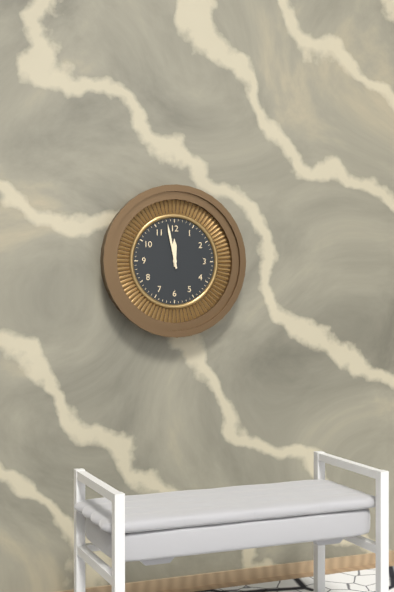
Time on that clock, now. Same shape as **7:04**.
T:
**11:58**
